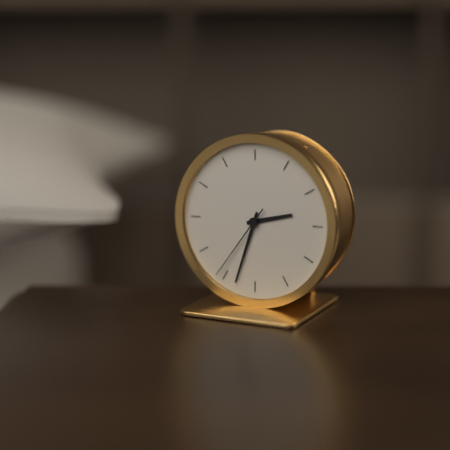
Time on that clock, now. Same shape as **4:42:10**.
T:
**2:33:36**
